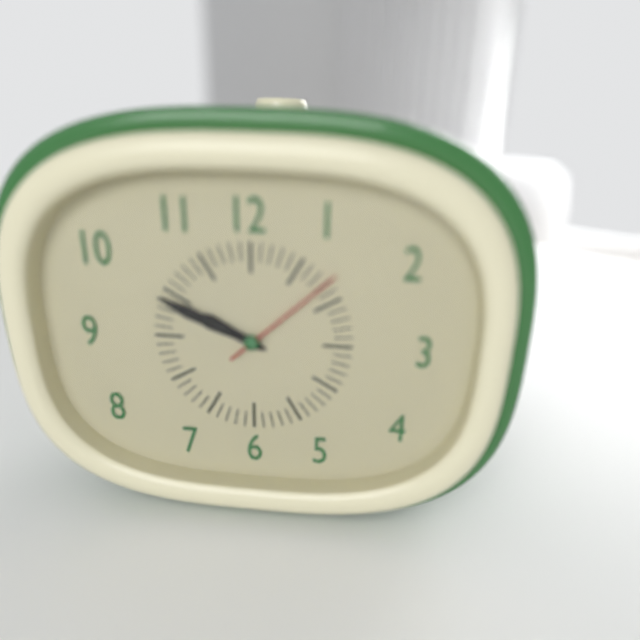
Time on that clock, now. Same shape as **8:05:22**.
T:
**9:49:08**
